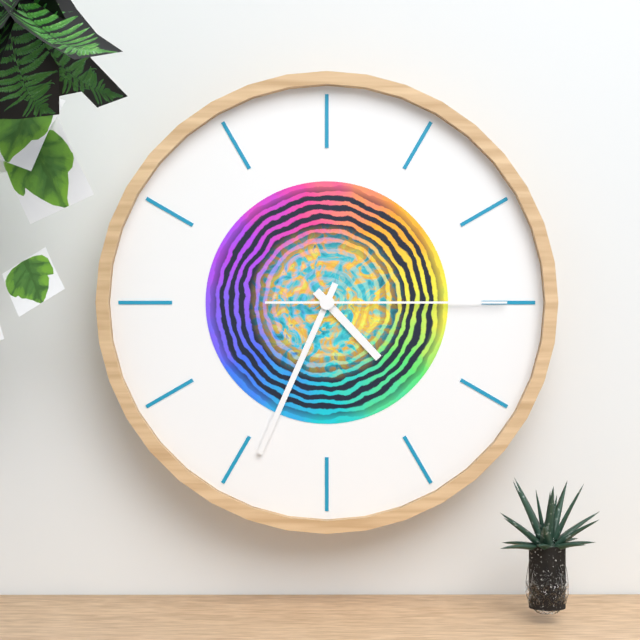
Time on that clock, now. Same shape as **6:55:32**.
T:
**4:34:15**
